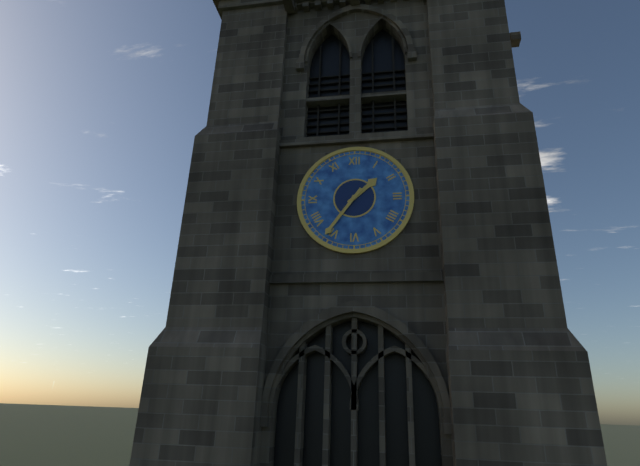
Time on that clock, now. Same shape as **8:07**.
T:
**1:36**
